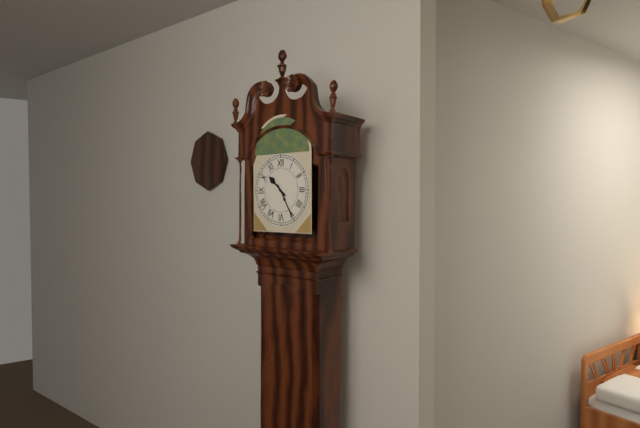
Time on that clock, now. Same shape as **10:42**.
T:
**10:25**
